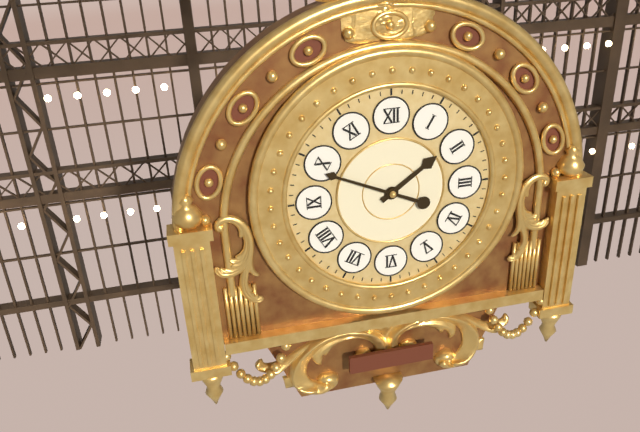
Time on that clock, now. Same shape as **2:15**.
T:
**1:49**
